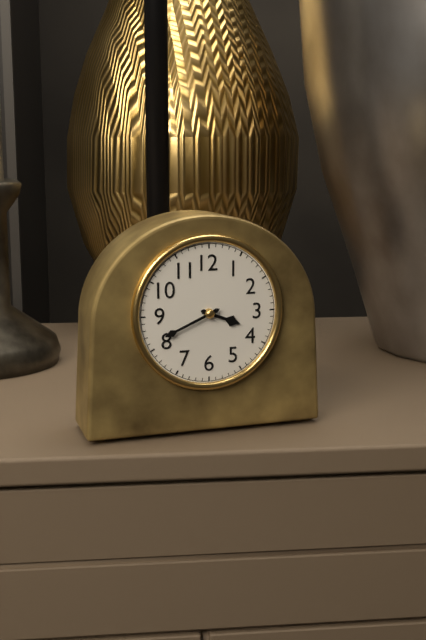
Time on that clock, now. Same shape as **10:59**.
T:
**3:41**
